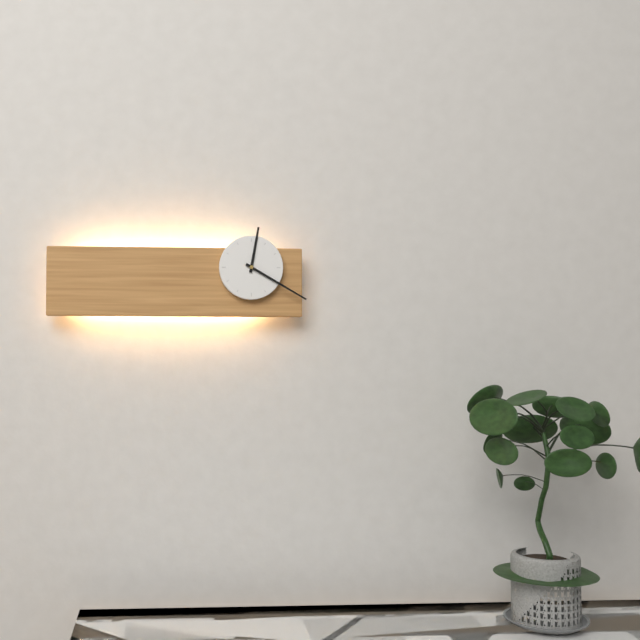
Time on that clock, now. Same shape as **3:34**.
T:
**12:20**
